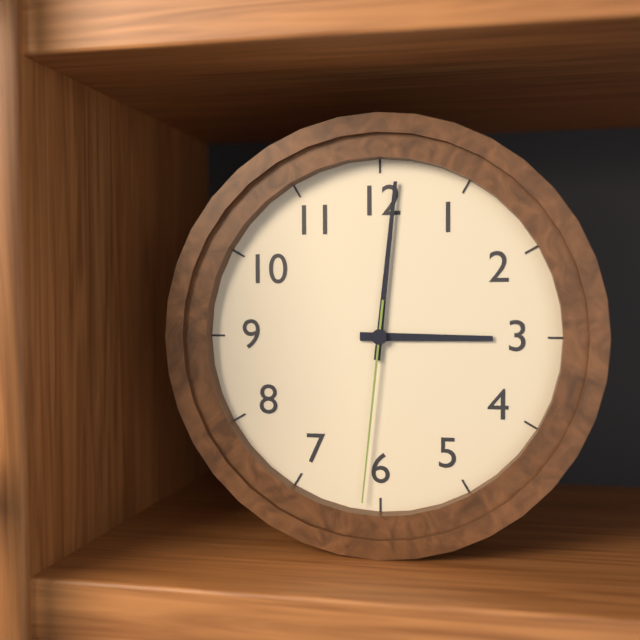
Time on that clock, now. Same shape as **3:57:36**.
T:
**3:01:31**
